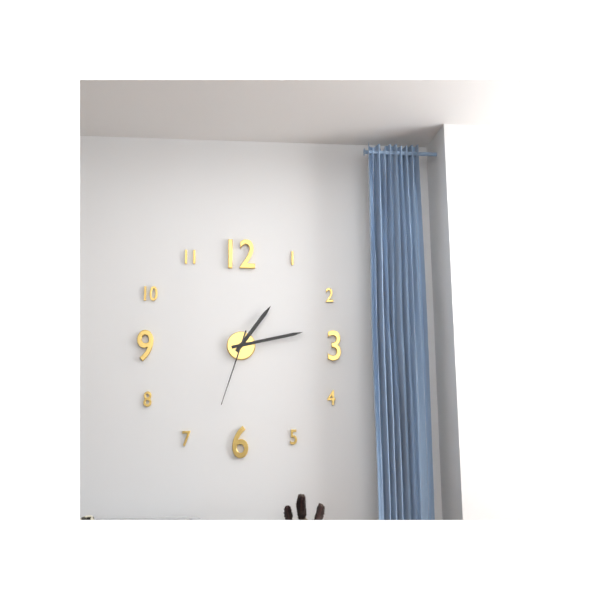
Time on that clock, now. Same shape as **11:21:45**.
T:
**1:13:33**
